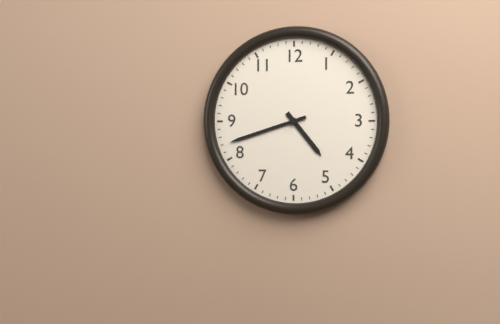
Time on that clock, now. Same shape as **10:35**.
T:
**4:42**
